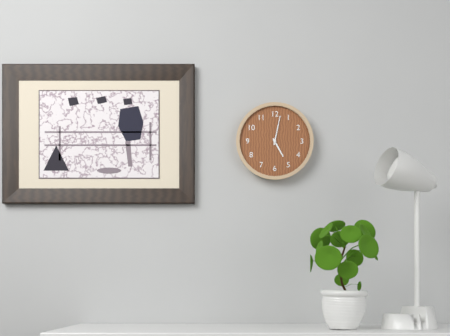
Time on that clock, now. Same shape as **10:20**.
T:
**5:02**
